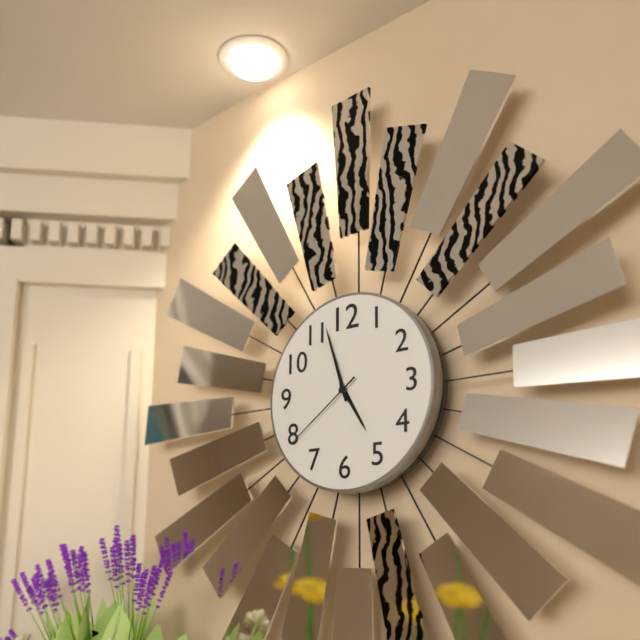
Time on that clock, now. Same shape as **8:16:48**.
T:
**4:57:39**
